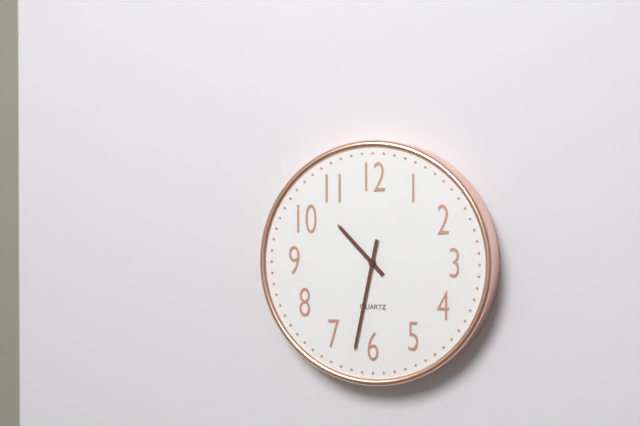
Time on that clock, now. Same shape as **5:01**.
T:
**10:32**
